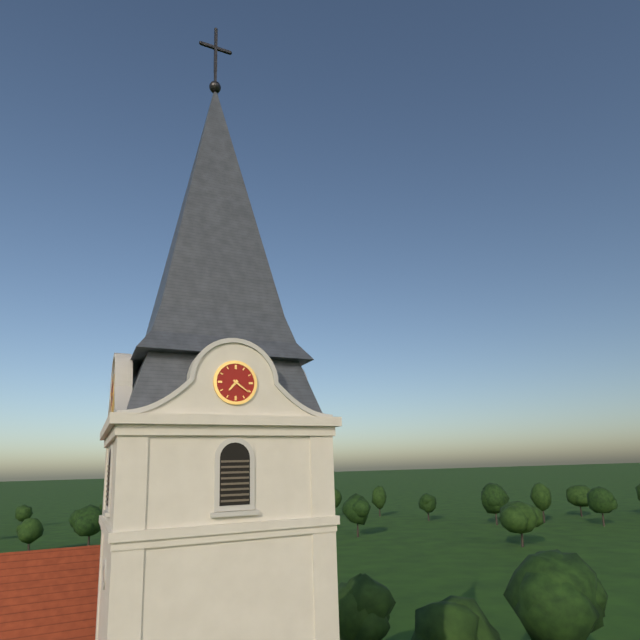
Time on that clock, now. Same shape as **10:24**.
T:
**7:21**
